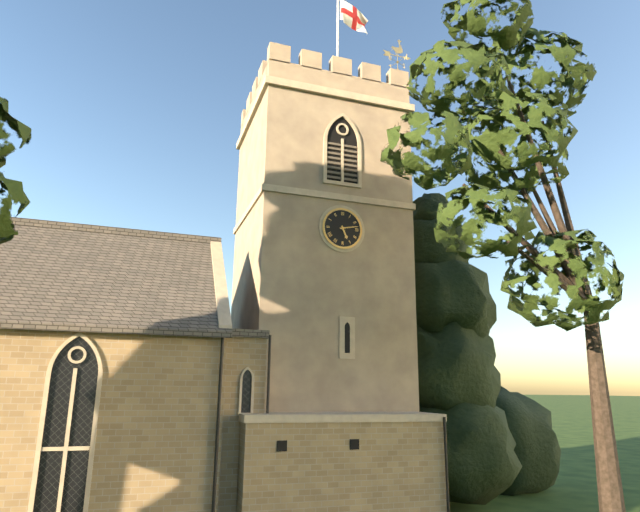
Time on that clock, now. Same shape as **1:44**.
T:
**5:13**
